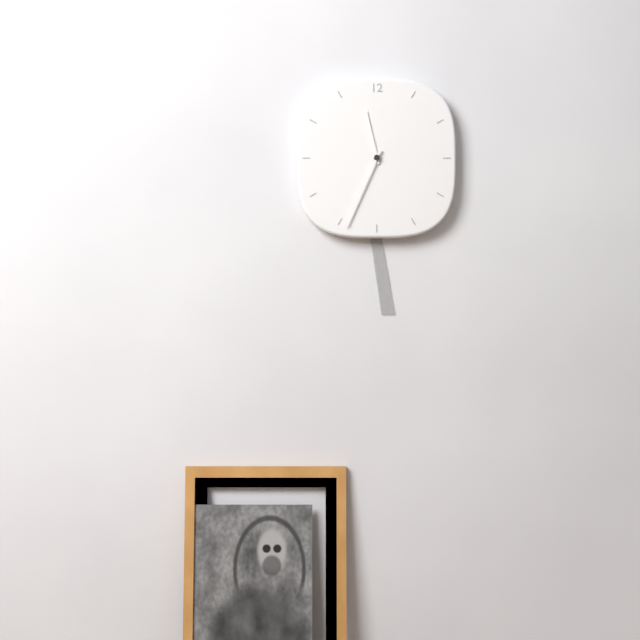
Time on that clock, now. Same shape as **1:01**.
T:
**11:34**
